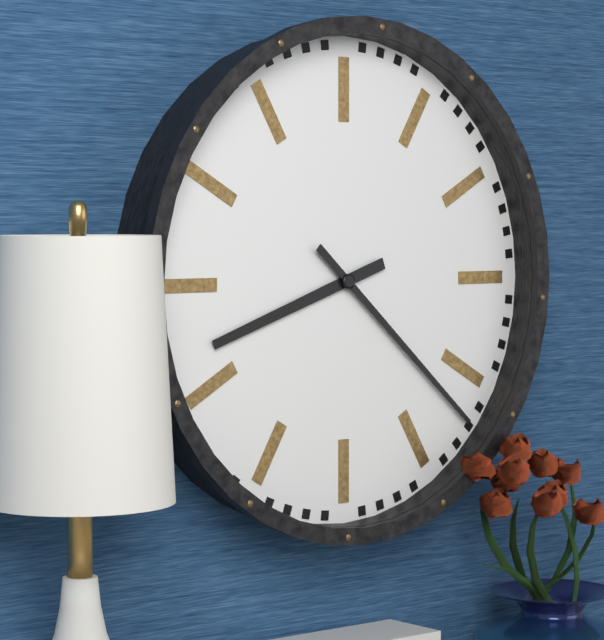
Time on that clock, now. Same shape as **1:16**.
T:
**8:22**
